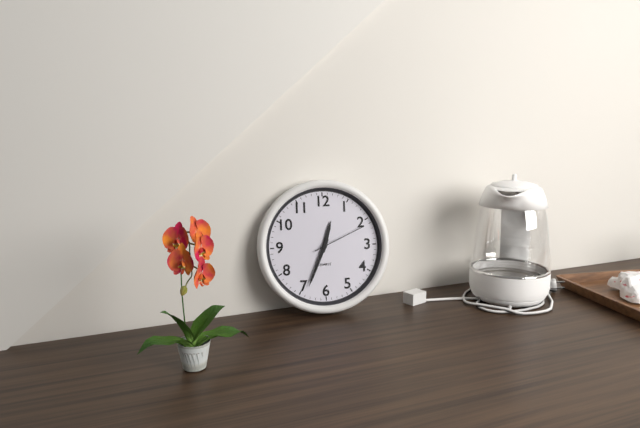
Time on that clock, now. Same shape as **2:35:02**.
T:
**12:34:11**
